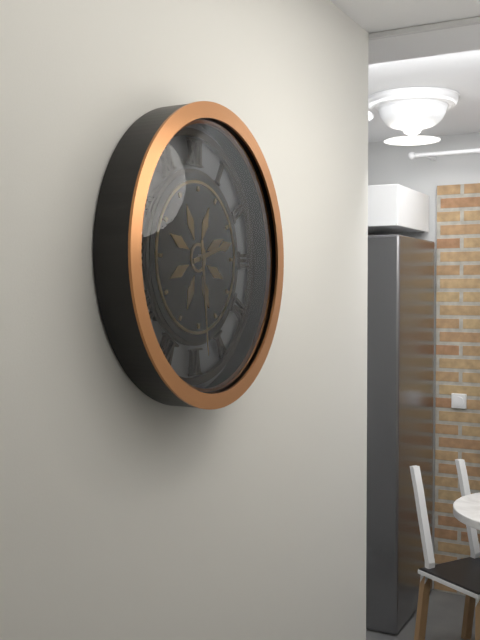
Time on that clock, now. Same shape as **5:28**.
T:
**2:29**
